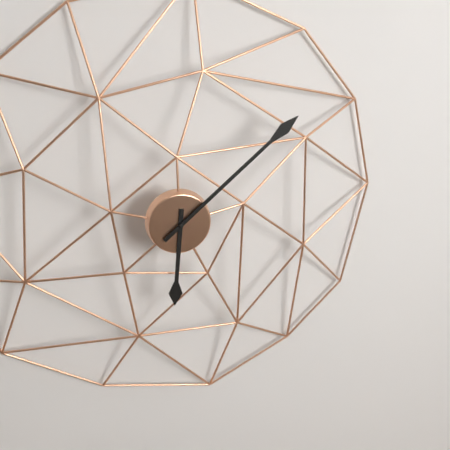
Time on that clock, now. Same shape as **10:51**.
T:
**6:08**
